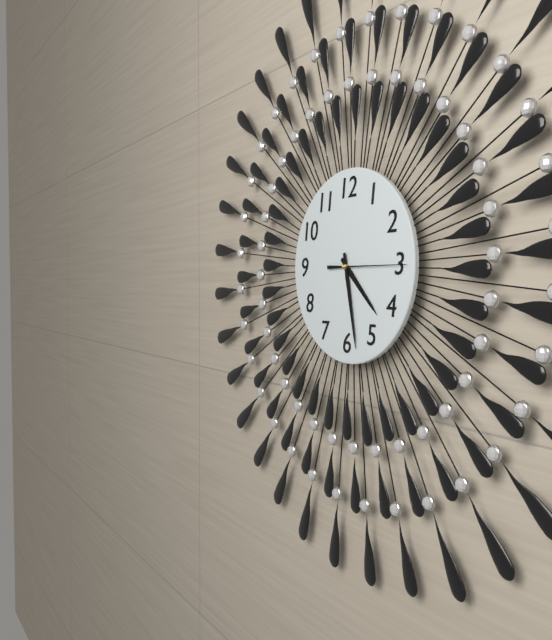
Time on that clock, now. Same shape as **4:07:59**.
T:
**4:28:15**
